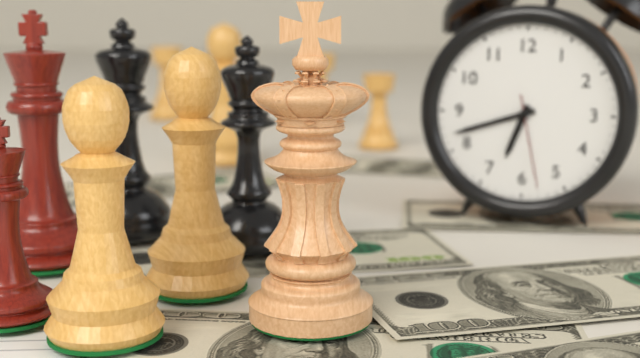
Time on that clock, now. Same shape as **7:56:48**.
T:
**6:42:28**
